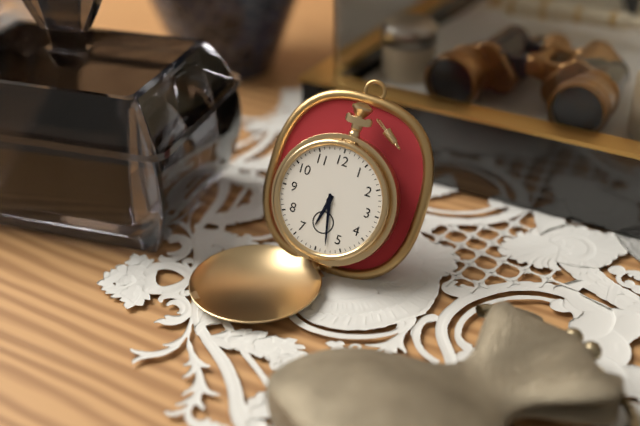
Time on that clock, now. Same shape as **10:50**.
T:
**6:28**
